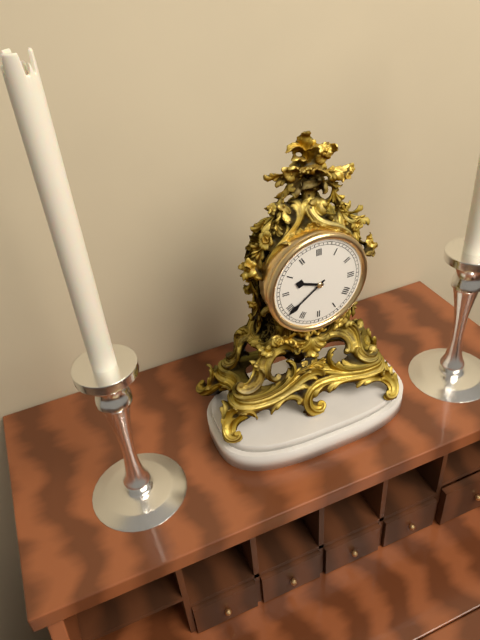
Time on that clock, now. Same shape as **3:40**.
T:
**9:39**
